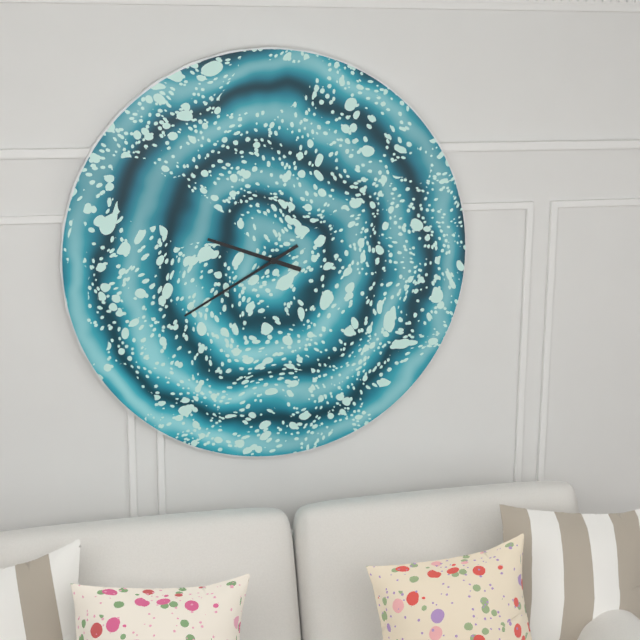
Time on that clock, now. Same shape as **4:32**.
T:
**9:40**
